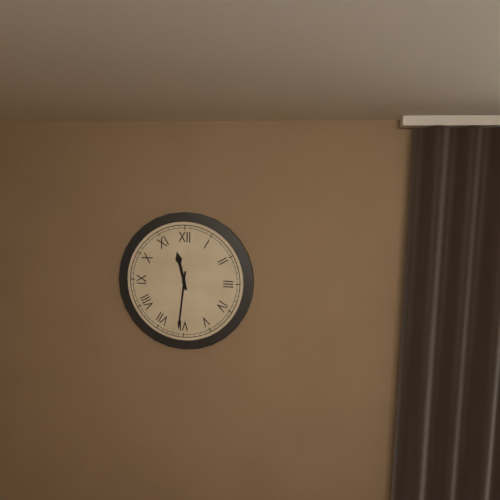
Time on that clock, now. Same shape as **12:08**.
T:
**11:31**
